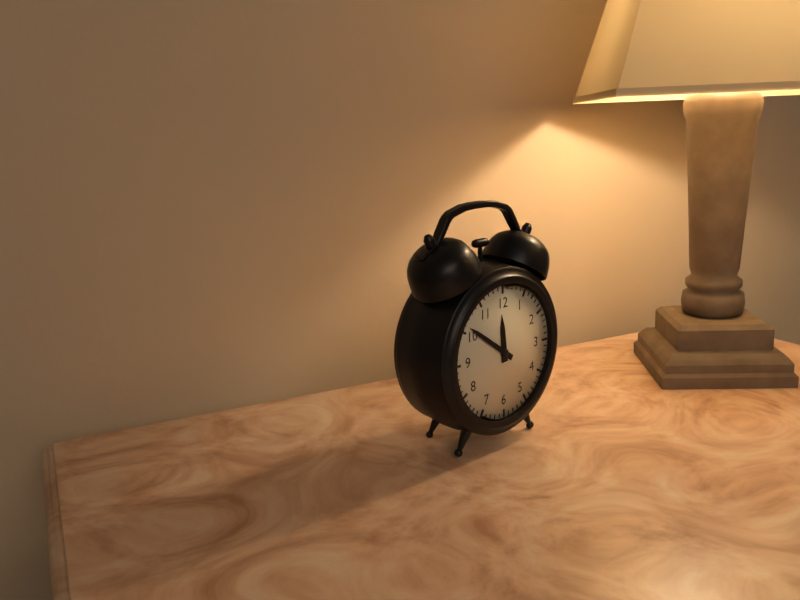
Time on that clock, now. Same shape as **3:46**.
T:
**11:51**
